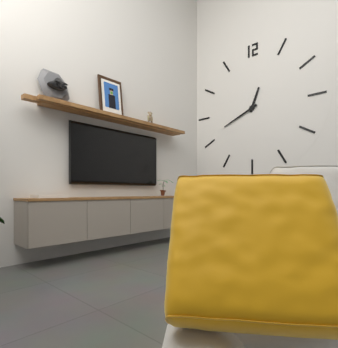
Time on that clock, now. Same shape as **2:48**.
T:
**12:41**
